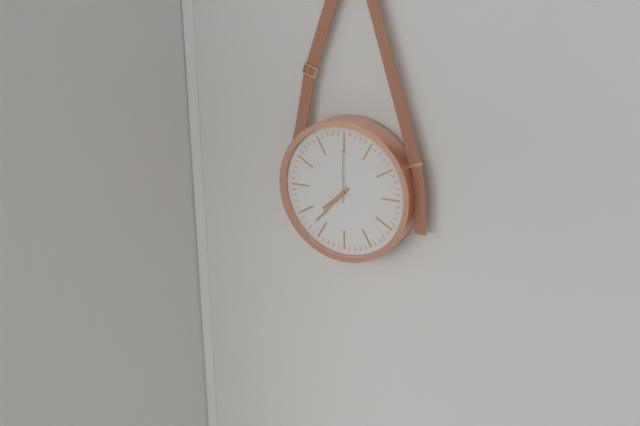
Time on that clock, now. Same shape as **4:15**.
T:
**7:37**
